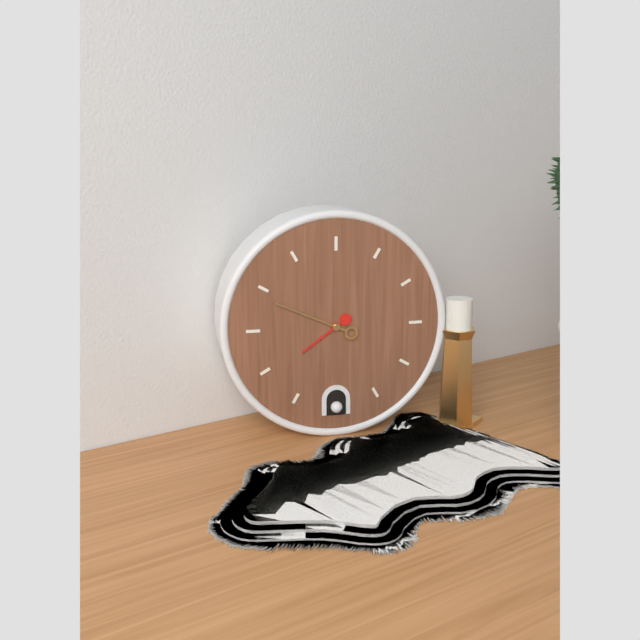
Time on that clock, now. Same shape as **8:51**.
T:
**7:49**
